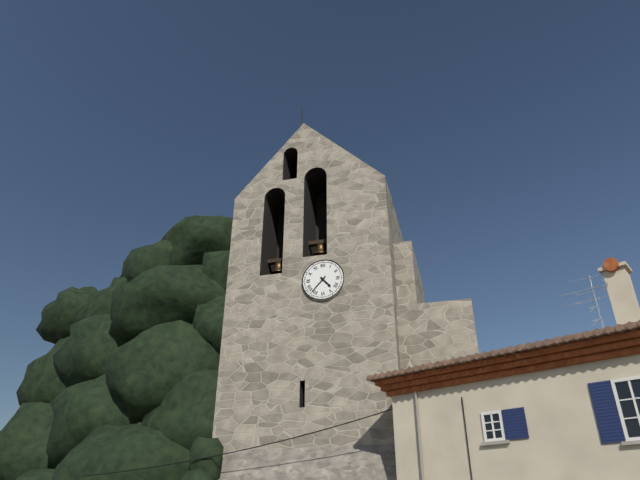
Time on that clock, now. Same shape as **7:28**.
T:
**4:37**
